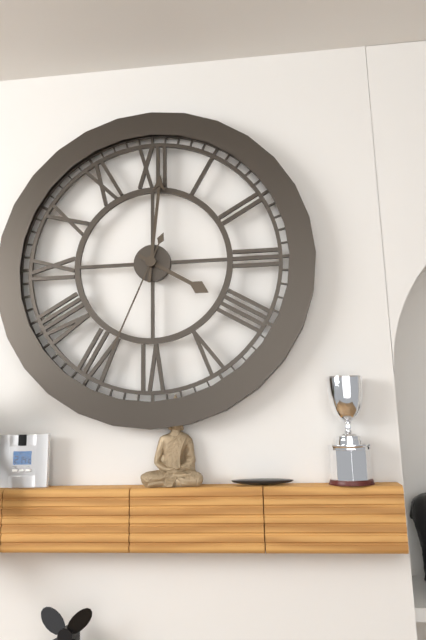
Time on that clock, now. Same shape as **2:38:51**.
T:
**4:01:34**
